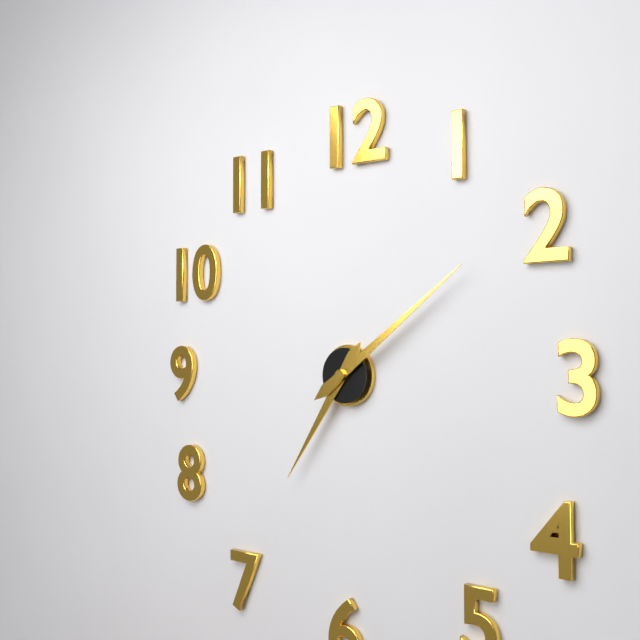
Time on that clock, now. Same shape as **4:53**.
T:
**7:09**
